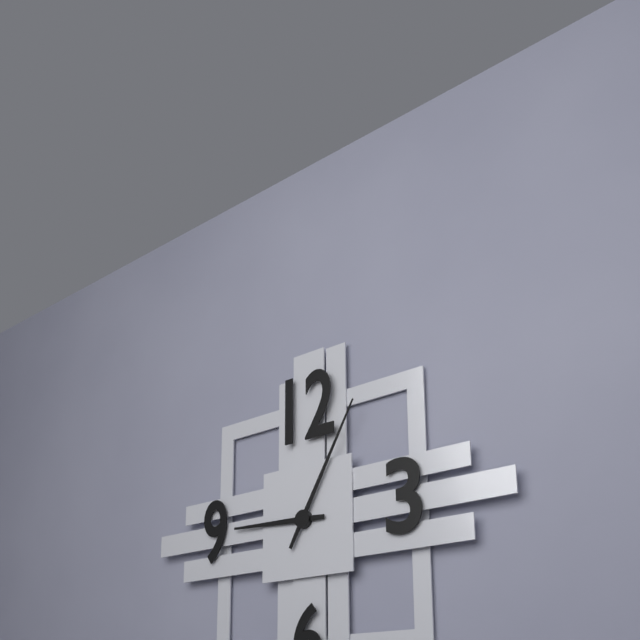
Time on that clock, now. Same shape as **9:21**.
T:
**9:05**
